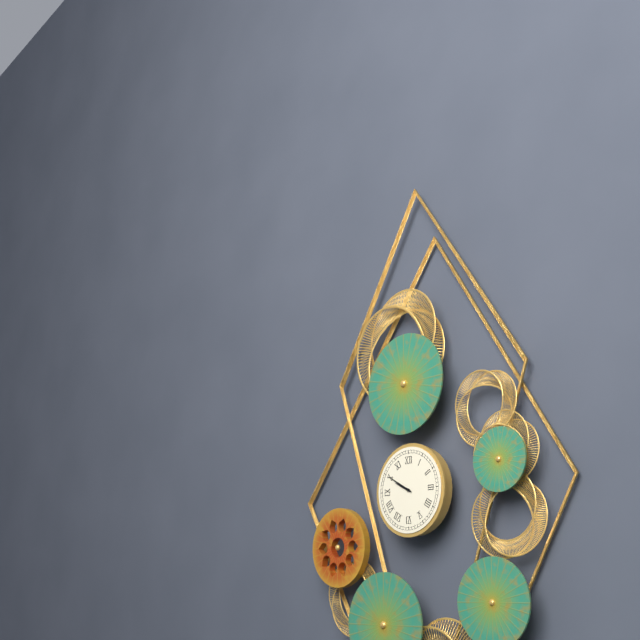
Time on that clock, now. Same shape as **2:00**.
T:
**9:50**
